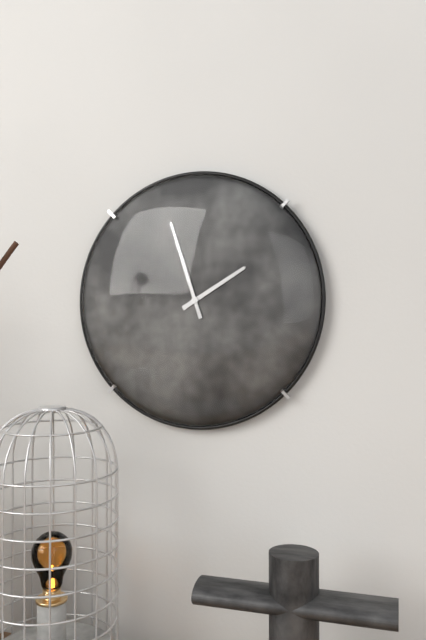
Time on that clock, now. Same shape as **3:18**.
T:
**1:57**
